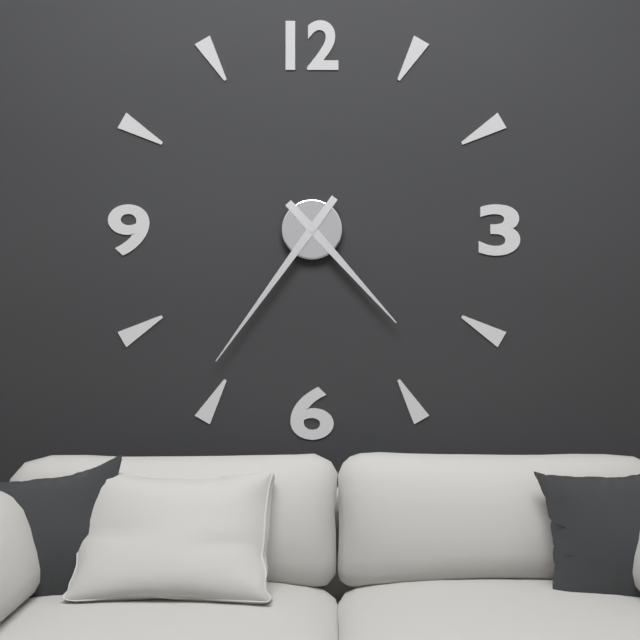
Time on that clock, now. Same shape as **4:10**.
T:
**4:36**
